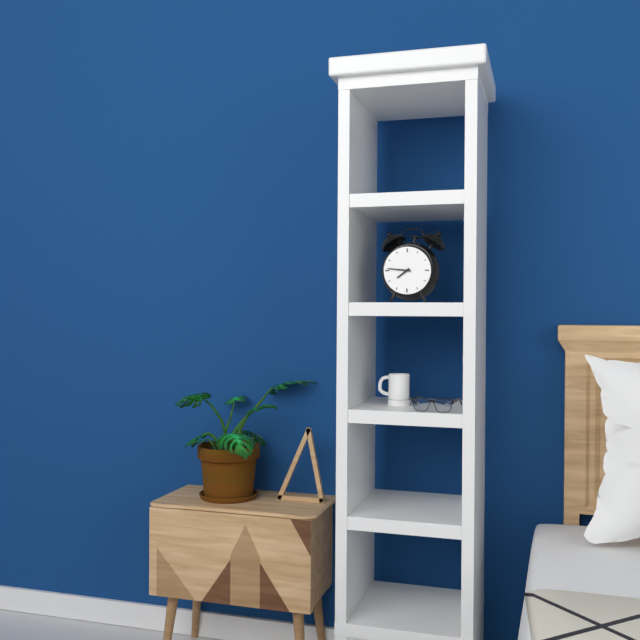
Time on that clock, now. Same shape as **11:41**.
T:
**7:46**
